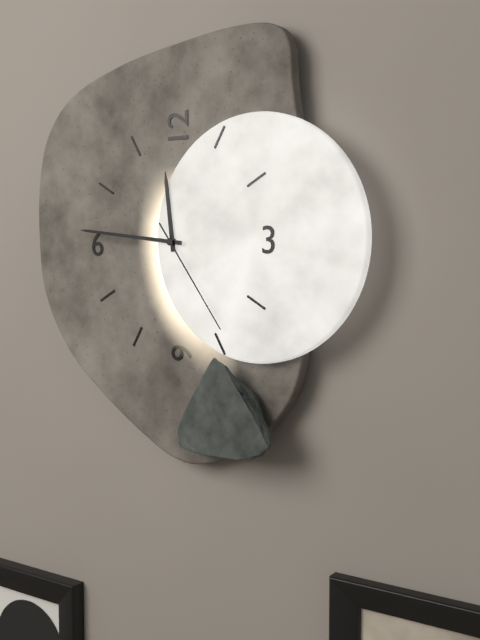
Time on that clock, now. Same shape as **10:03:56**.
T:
**11:46:24**
